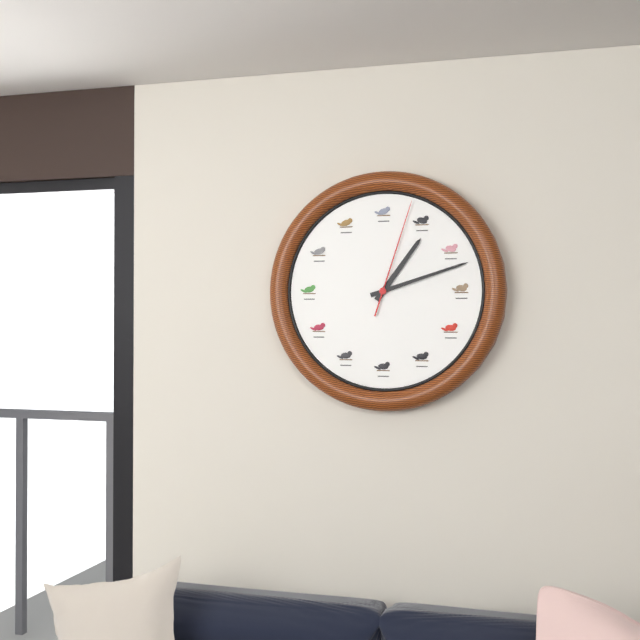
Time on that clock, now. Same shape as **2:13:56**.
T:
**1:12:03**
